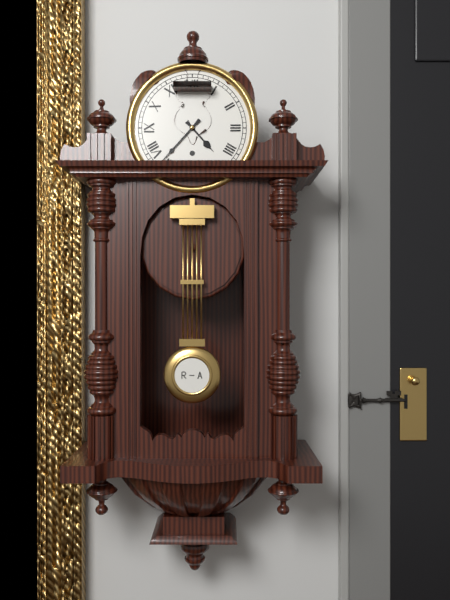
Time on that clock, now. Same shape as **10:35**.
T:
**4:37**
